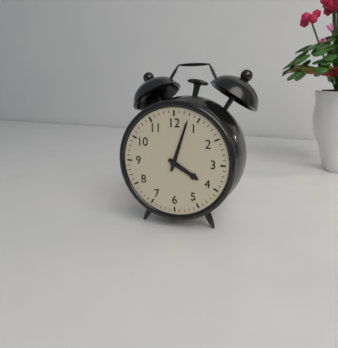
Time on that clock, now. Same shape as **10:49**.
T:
**4:03**
